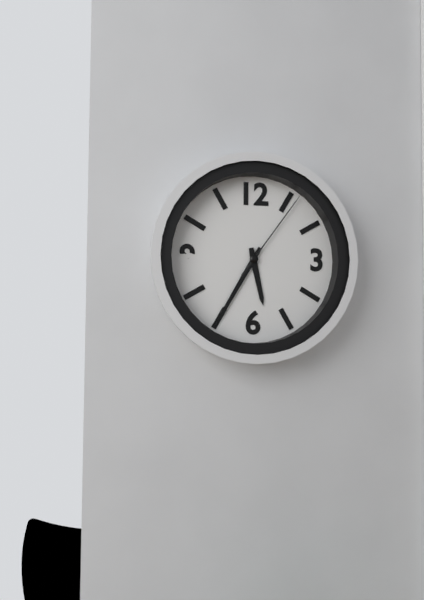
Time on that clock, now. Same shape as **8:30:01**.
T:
**5:35:06**
